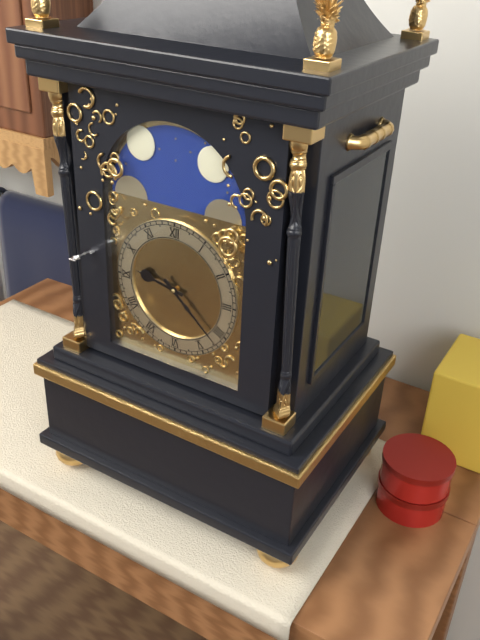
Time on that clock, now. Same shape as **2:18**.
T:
**9:22**
